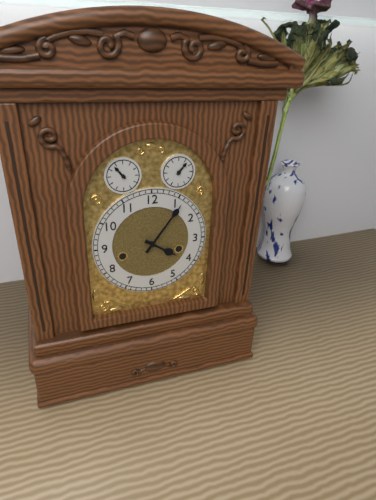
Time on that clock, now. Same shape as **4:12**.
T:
**4:06**
